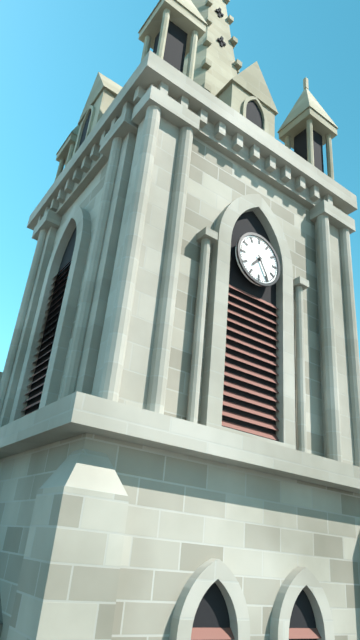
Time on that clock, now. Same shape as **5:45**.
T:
**7:25**
